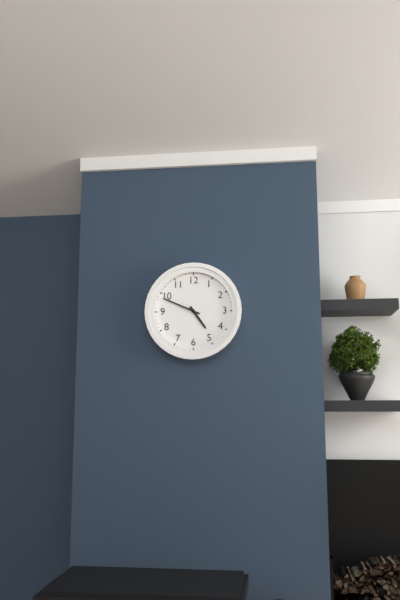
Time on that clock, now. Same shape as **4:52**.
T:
**4:49**
